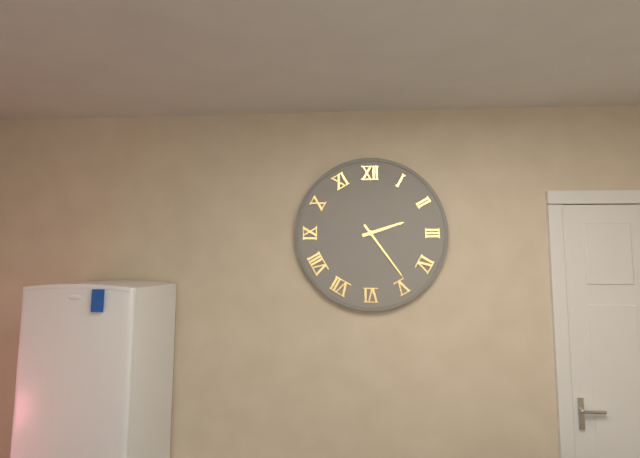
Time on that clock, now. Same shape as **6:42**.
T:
**2:24**
